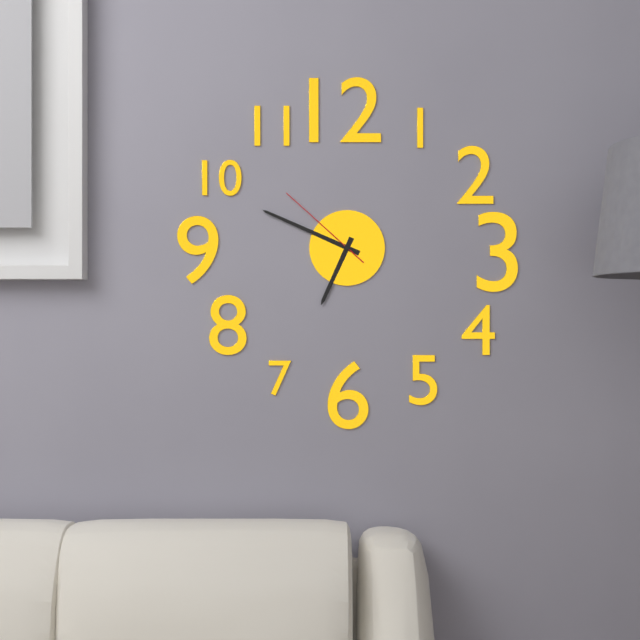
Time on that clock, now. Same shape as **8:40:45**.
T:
**6:49:52**
